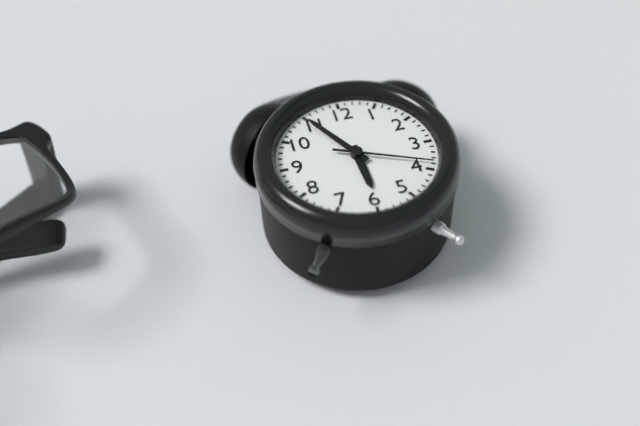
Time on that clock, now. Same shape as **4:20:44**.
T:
**5:55:19**
